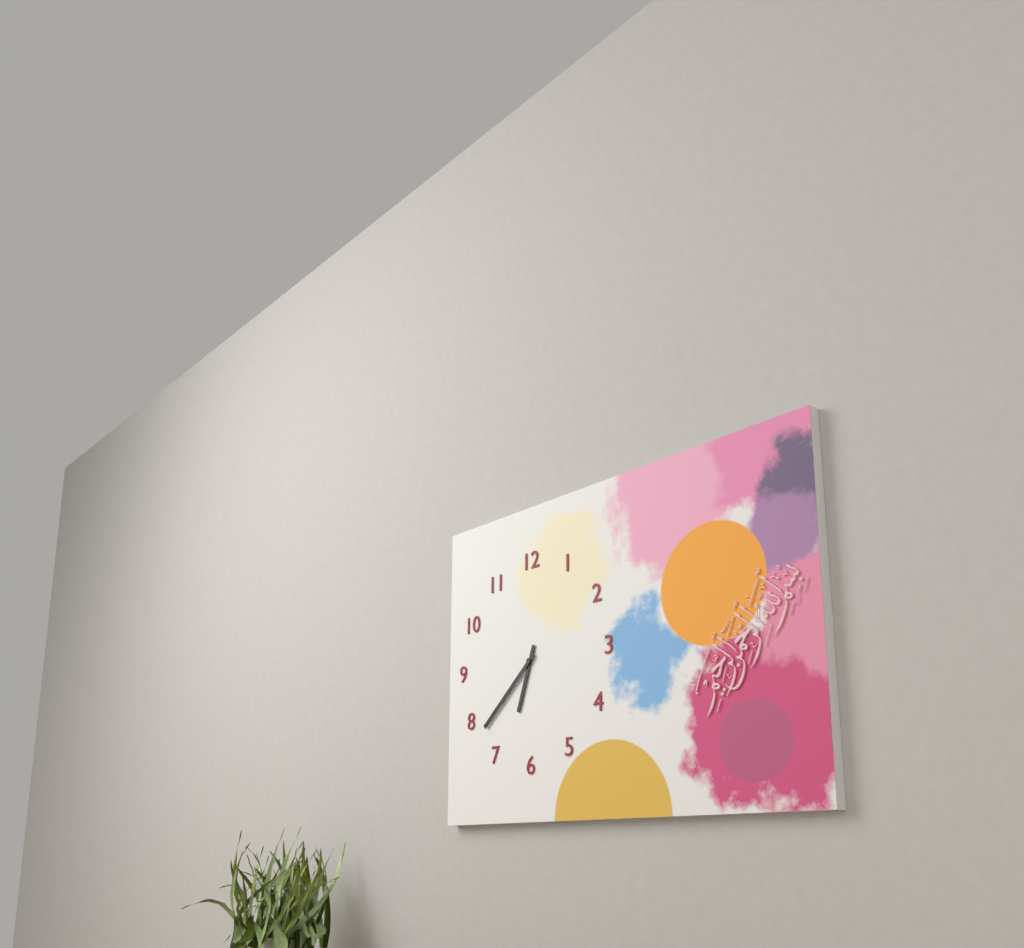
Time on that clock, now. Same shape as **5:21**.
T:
**6:38**
